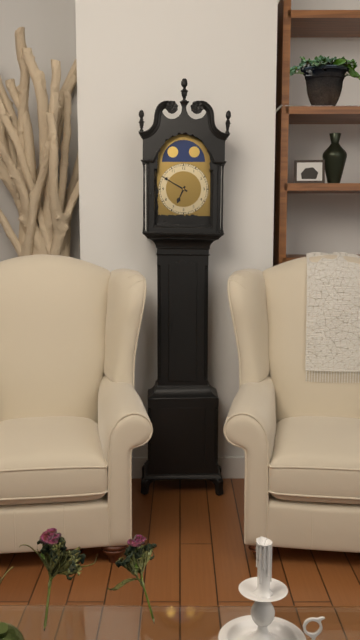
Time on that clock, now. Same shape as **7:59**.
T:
**6:50**
